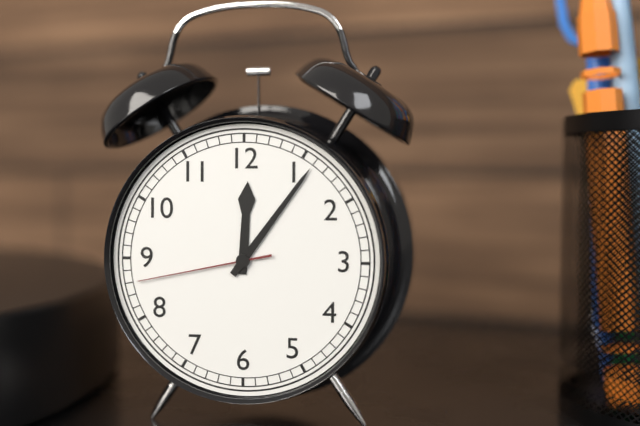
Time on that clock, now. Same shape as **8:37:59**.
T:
**12:06:43**
